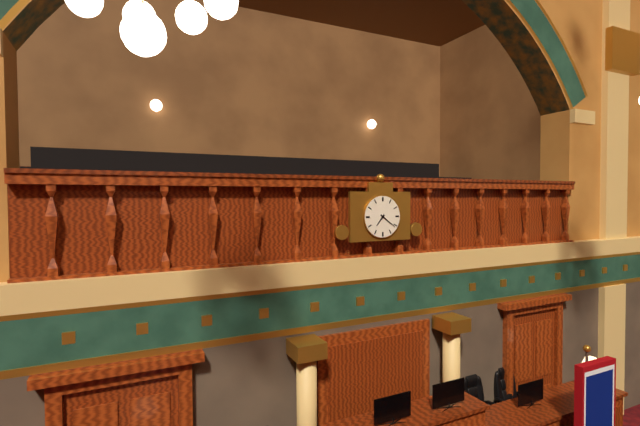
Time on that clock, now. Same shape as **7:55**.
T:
**7:21**
